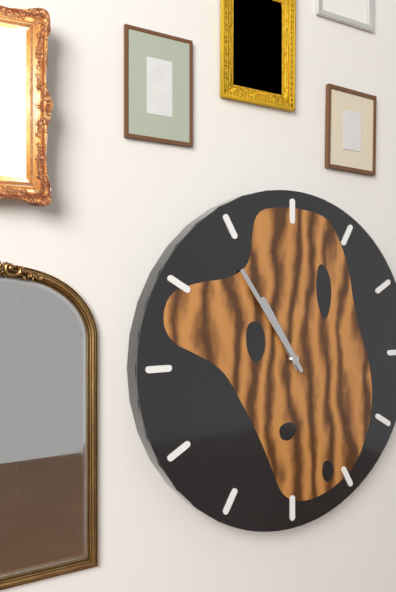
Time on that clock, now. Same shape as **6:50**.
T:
**10:54**
